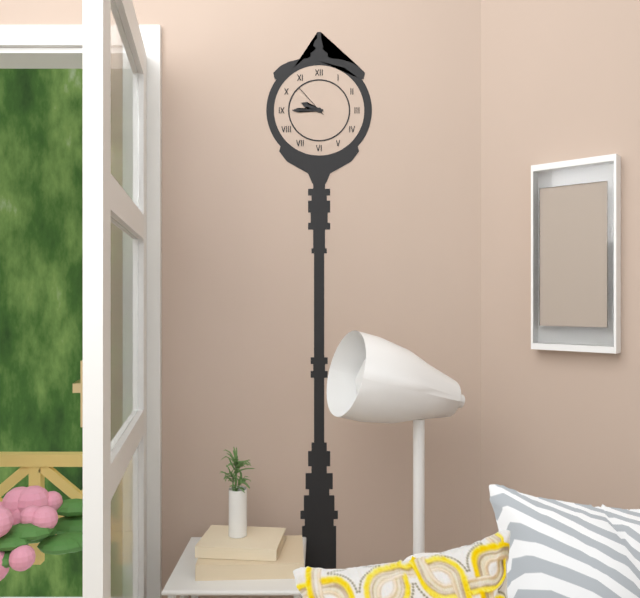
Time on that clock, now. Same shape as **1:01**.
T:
**9:45**
